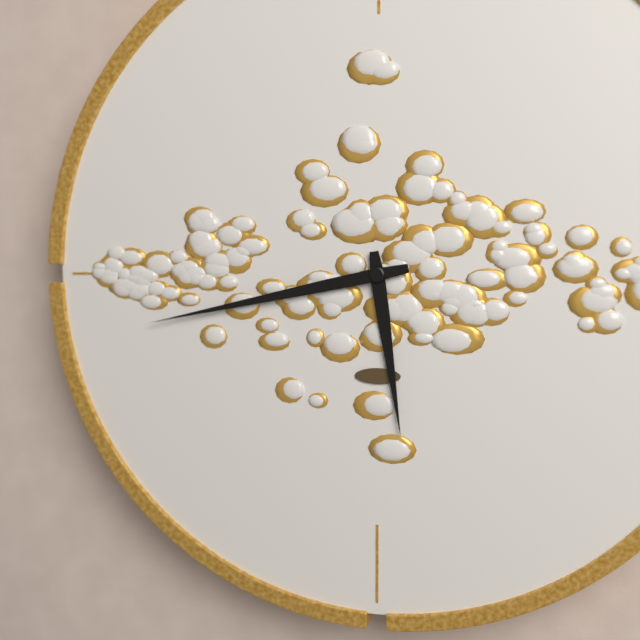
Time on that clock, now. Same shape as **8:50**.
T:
**5:43**
